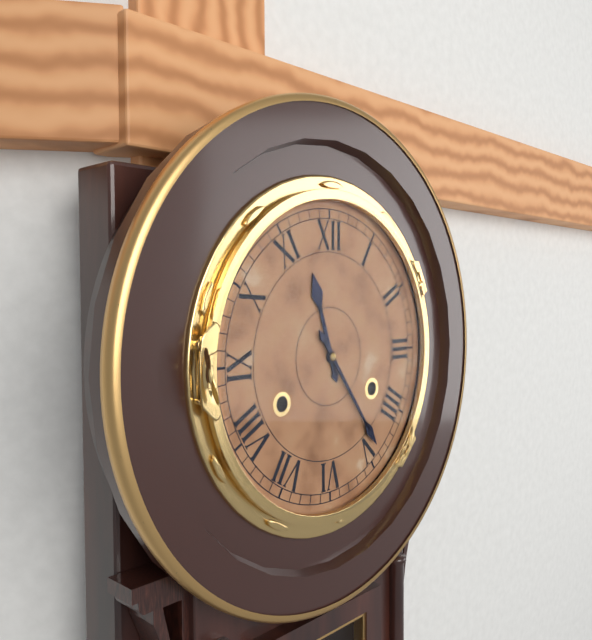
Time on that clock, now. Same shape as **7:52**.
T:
**11:24**
